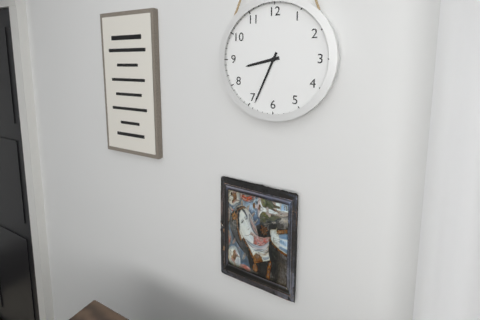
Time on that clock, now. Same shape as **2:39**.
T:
**8:34**
